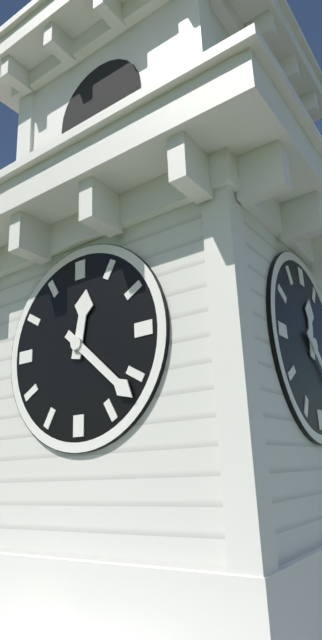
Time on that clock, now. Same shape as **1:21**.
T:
**12:22**
